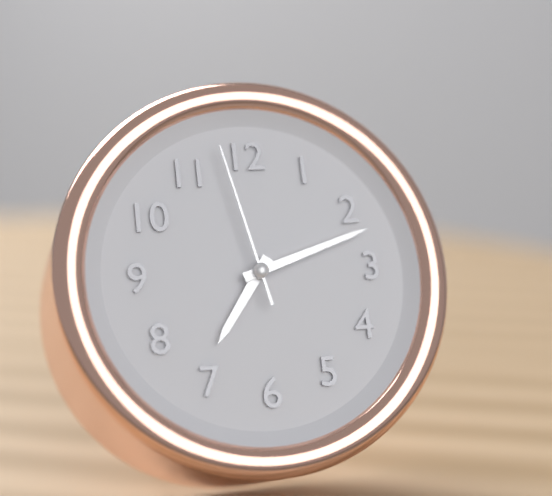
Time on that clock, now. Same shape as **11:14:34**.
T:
**7:12:58**
